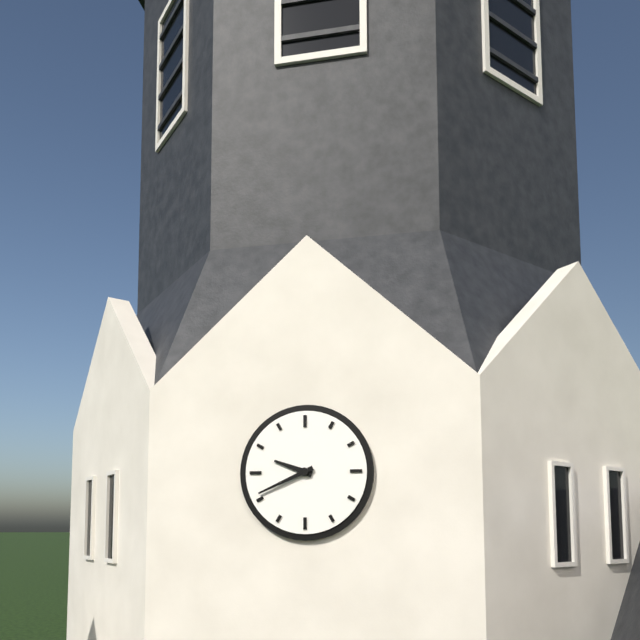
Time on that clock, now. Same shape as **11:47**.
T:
**9:41**
